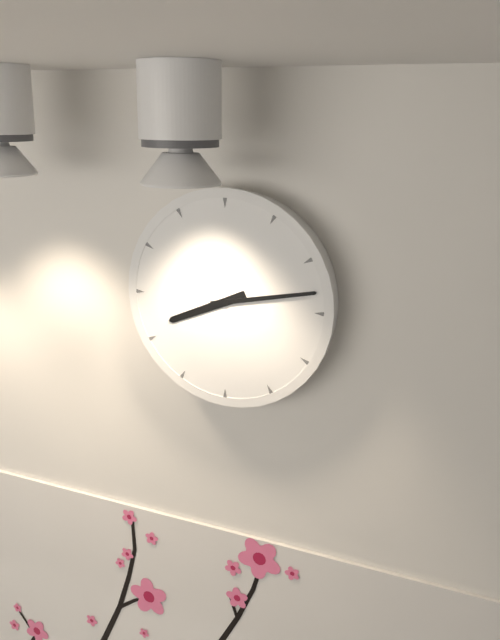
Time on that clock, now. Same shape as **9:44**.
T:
**8:13**
